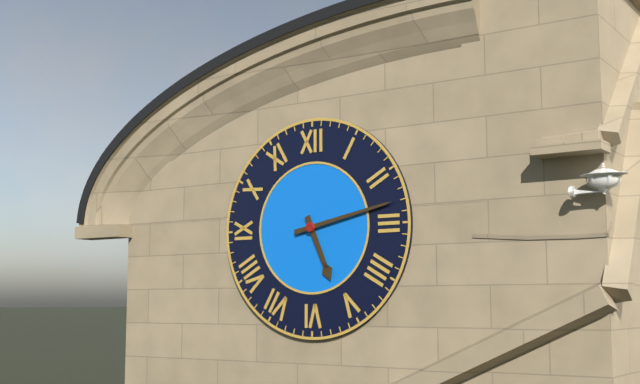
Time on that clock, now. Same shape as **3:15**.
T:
**5:13**
